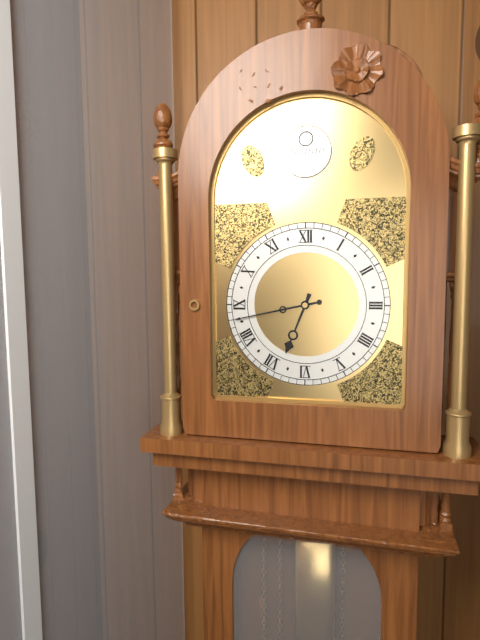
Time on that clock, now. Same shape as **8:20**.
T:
**6:43**
